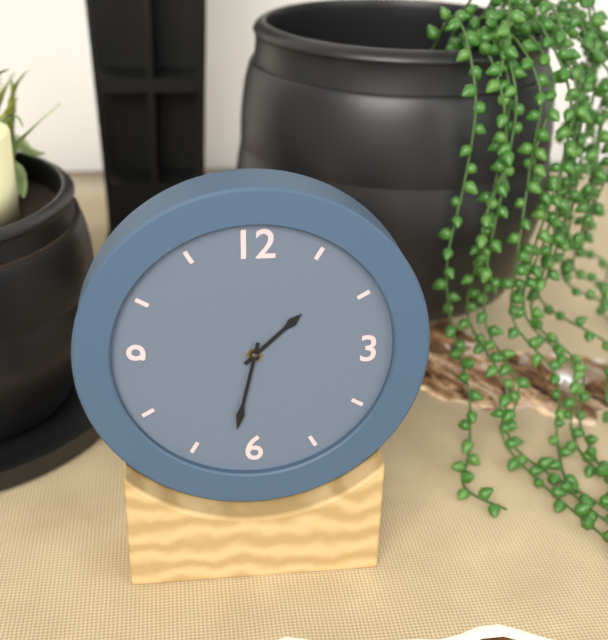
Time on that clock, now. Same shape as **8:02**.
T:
**1:32**
